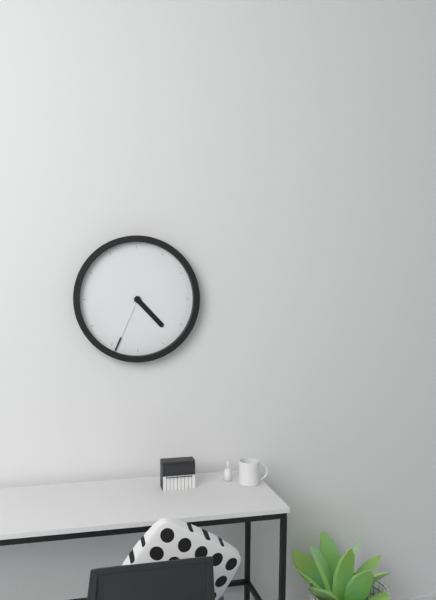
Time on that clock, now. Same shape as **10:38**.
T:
**4:34**
